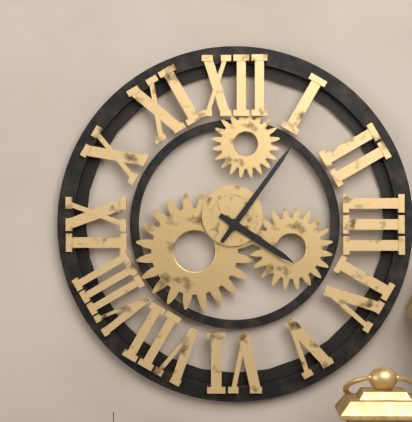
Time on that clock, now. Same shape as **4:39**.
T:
**4:06**
